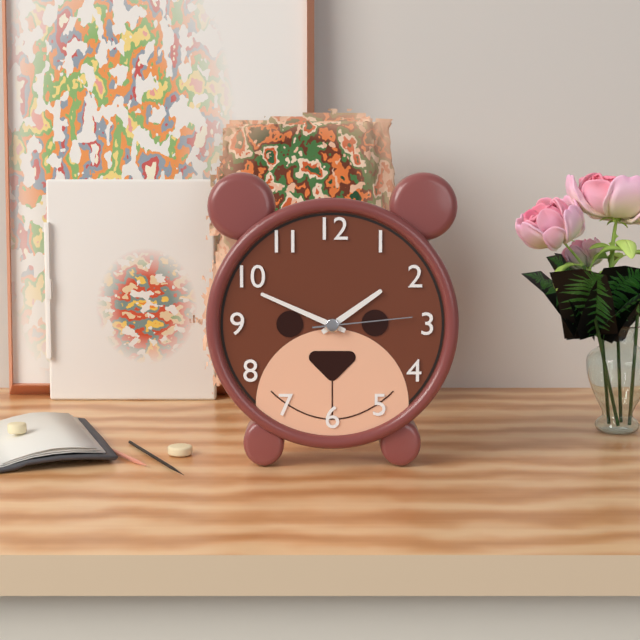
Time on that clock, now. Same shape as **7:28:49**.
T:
**1:49:14**
